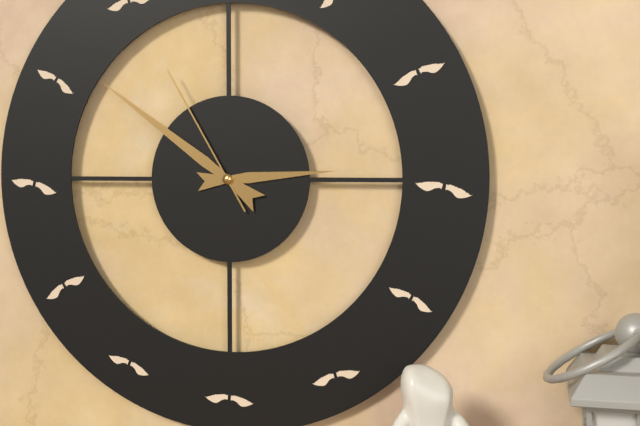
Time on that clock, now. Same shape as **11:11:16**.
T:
**2:51:55**
